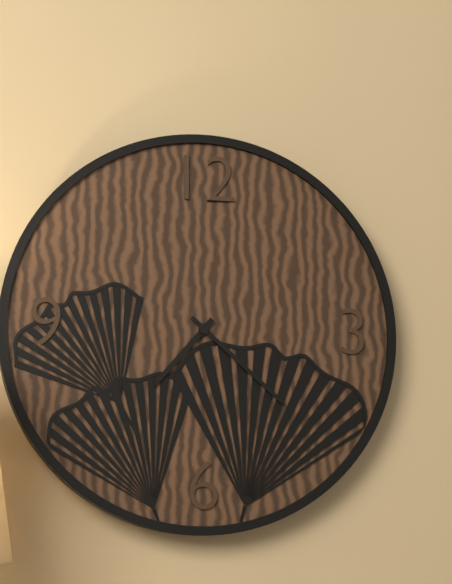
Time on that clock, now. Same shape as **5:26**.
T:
**7:22**
